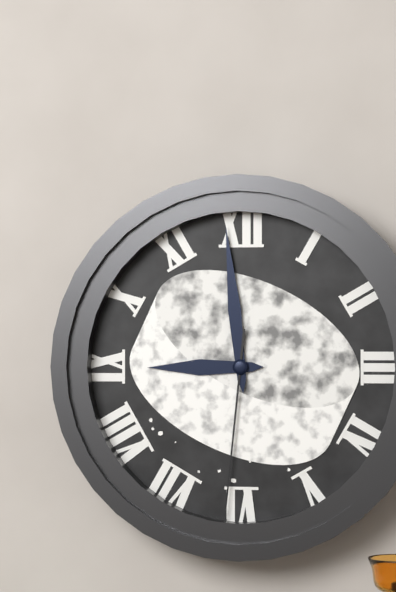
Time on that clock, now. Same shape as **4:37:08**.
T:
**8:59:31**
